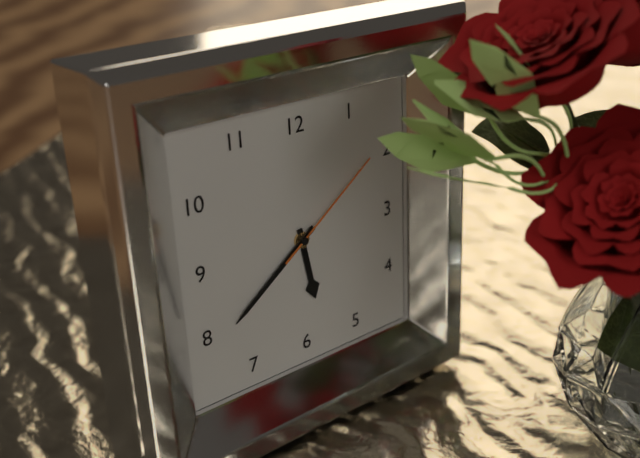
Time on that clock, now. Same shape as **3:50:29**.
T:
**5:39:09**
